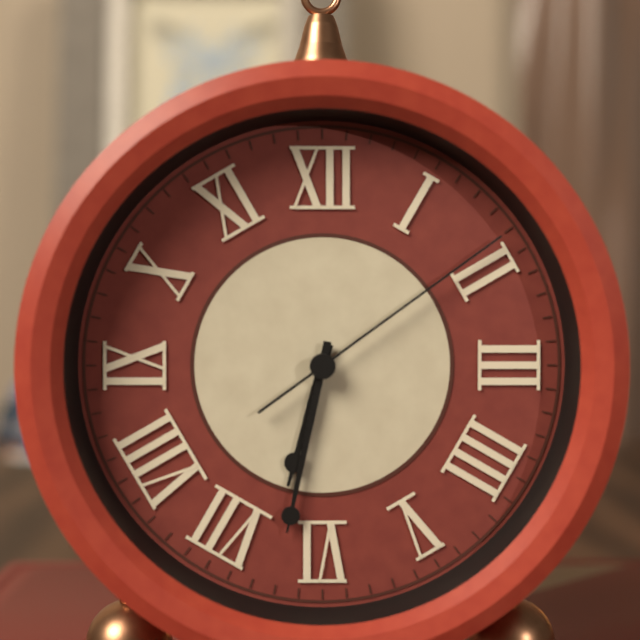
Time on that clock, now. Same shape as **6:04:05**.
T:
**6:32:09**
